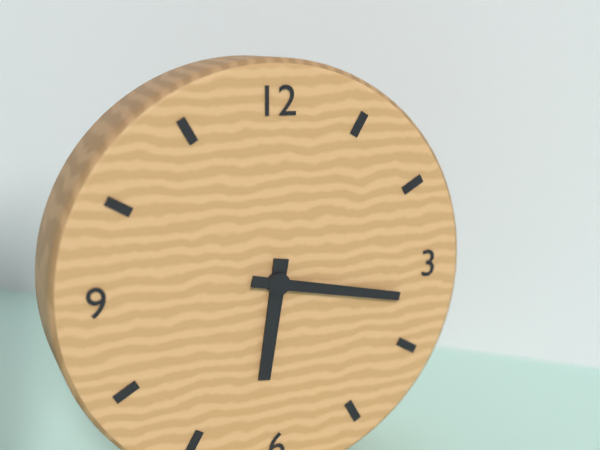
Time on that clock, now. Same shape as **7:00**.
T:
**6:17**
